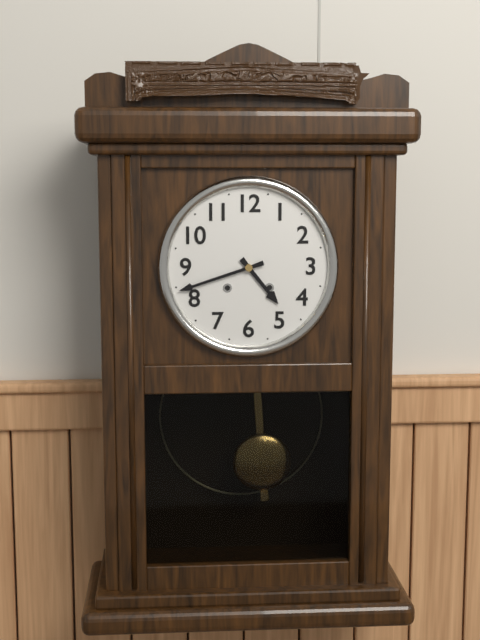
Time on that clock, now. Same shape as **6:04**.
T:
**4:42**
